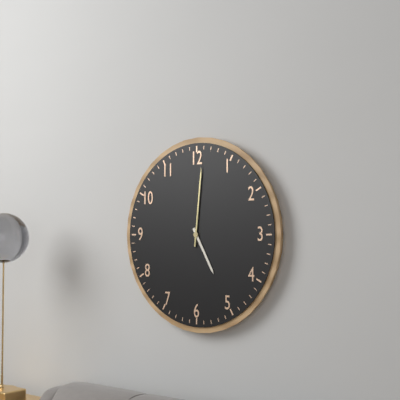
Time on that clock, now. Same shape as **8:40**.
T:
**5:01**
